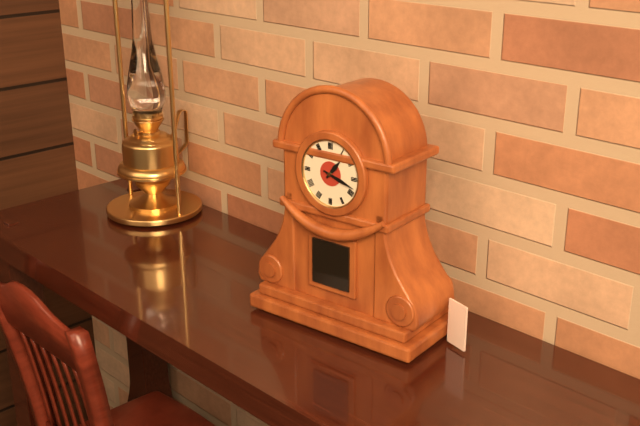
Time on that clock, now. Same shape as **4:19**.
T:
**1:18**
